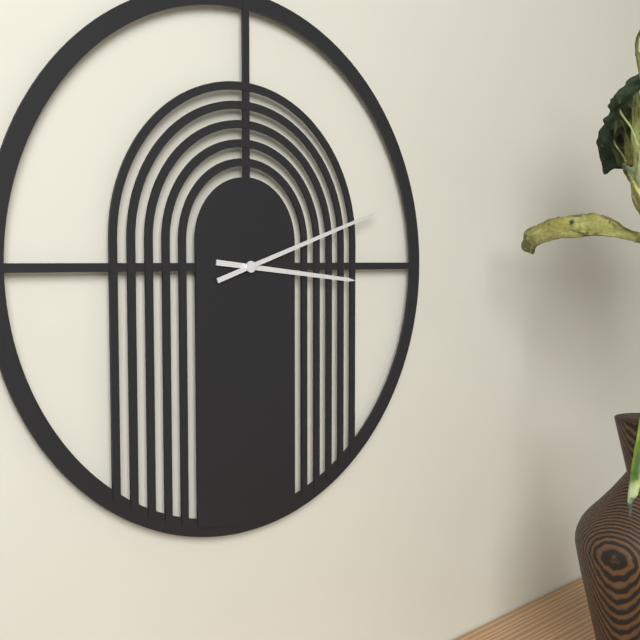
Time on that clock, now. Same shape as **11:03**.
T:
**3:12**
